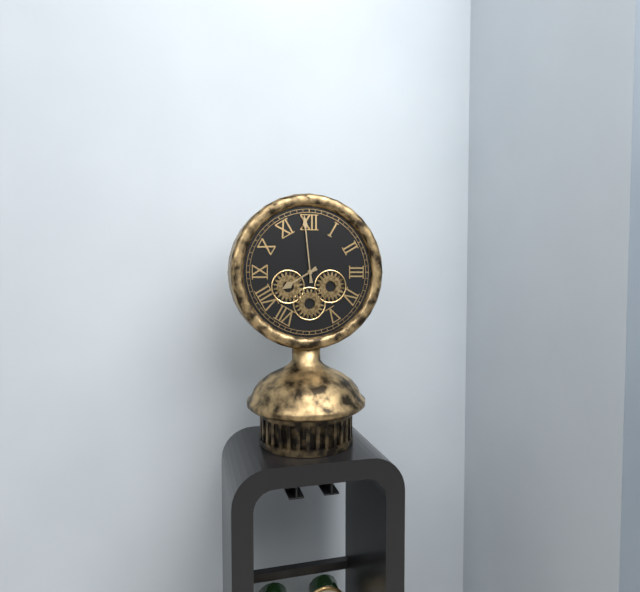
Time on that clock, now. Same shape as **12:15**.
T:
**7:59**
